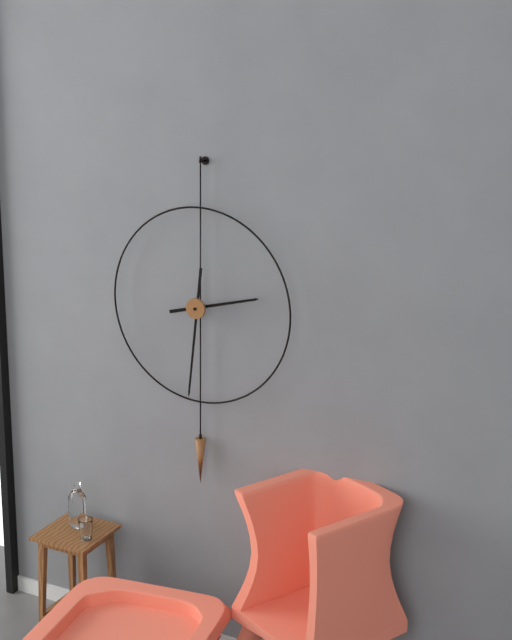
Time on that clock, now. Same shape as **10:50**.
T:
**2:31**
